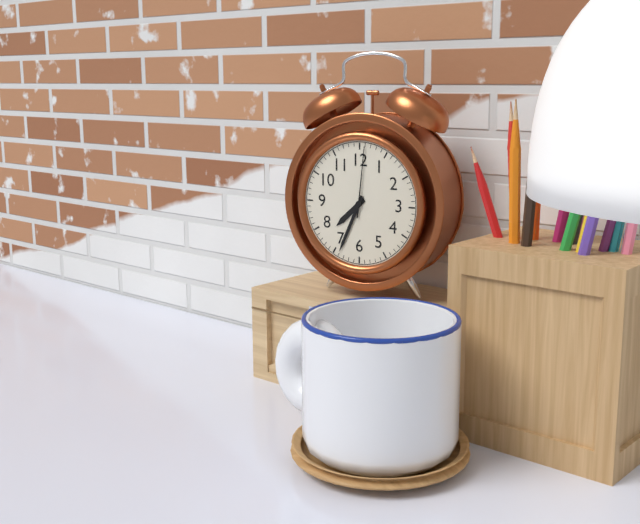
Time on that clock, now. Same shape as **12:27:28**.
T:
**7:34:01**
